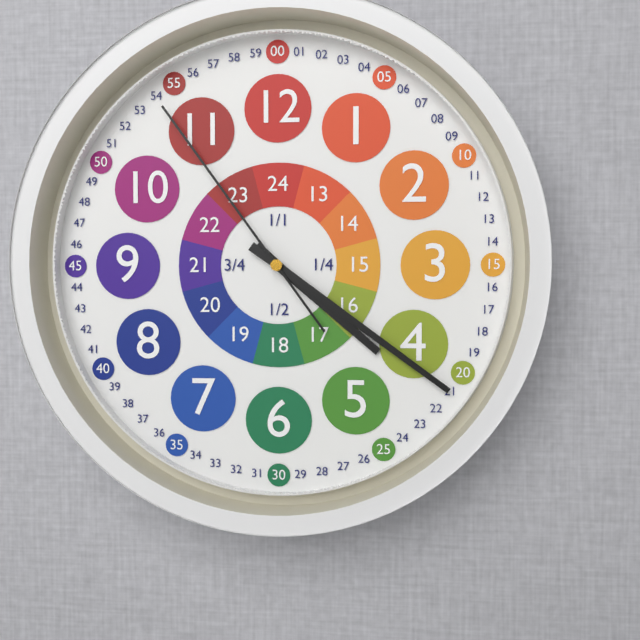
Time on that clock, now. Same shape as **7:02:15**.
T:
**4:21:54**
